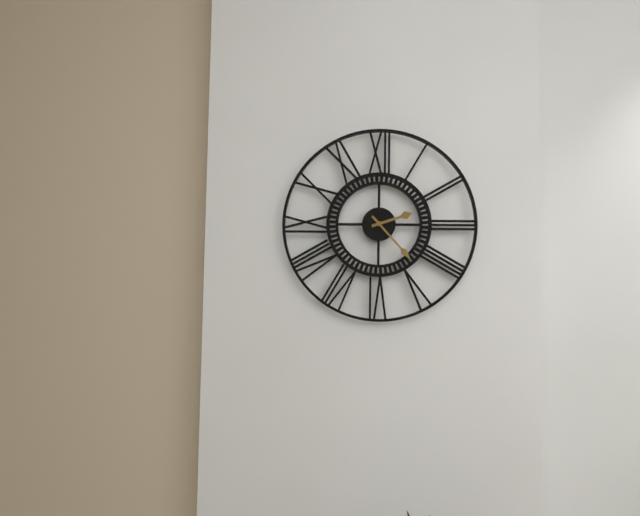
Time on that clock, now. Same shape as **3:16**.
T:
**2:23**
